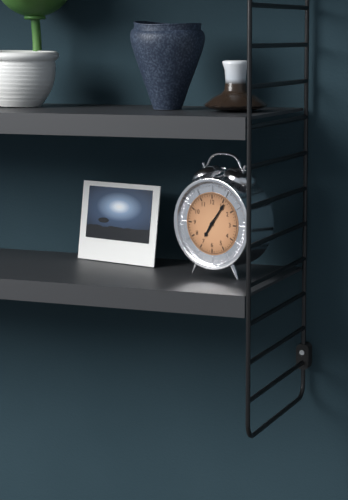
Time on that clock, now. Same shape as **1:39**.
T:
**7:06**
